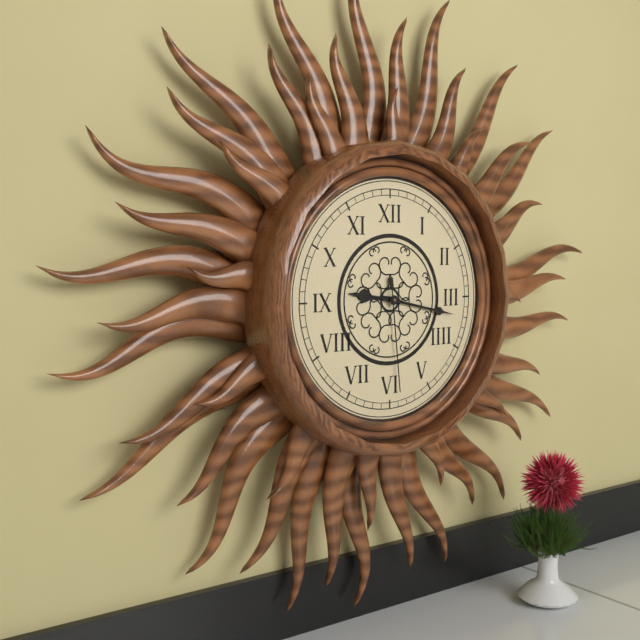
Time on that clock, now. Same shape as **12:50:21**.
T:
**9:17:29**
